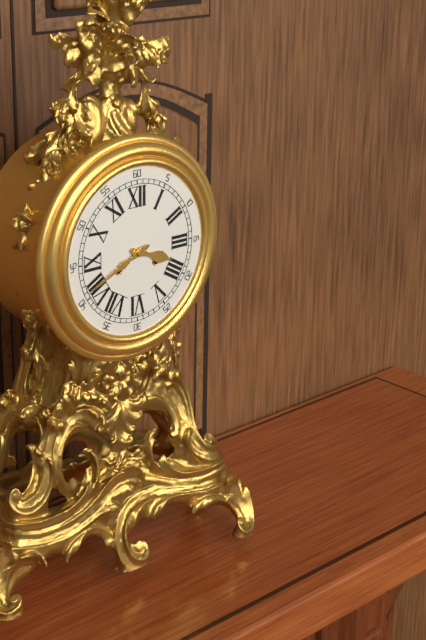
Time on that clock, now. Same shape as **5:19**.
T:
**3:41**
